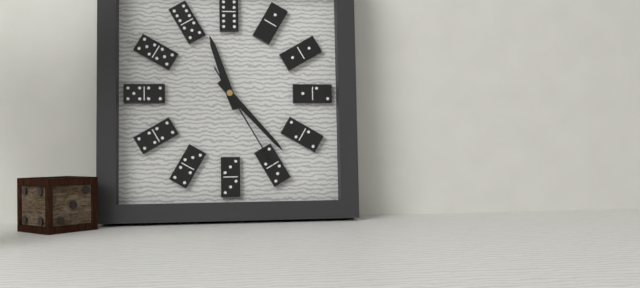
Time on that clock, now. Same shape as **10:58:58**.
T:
**11:23:25**
